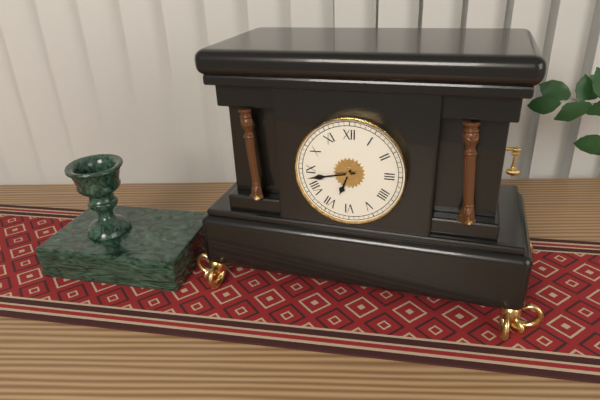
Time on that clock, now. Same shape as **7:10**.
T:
**6:43**
